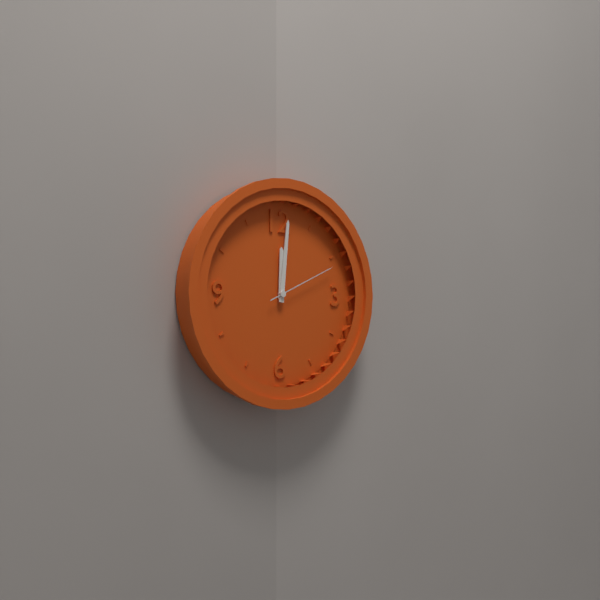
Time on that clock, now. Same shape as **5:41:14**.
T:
**12:01:11**
